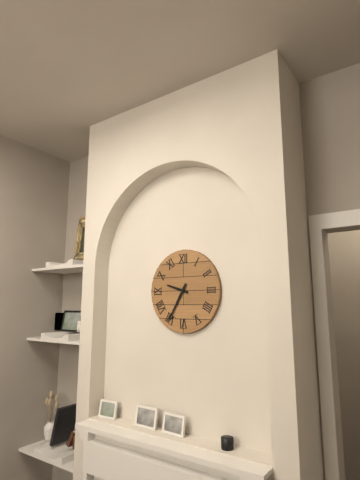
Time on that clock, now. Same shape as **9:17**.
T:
**9:35**
